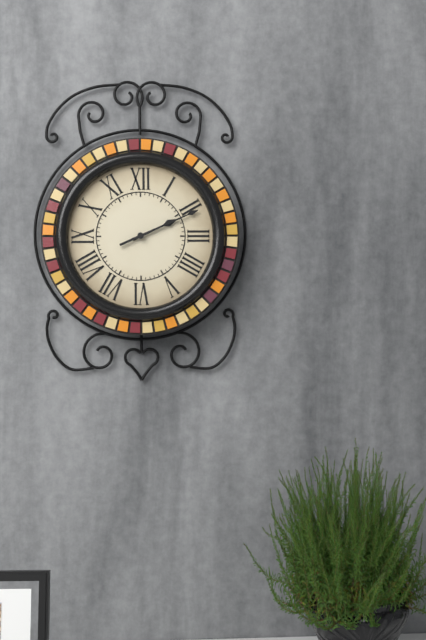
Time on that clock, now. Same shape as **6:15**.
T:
**2:11**
